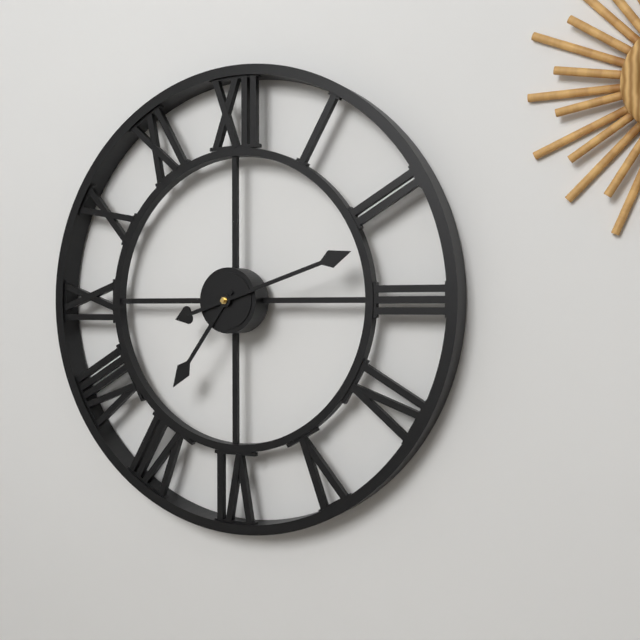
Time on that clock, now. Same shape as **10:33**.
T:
**7:12**
